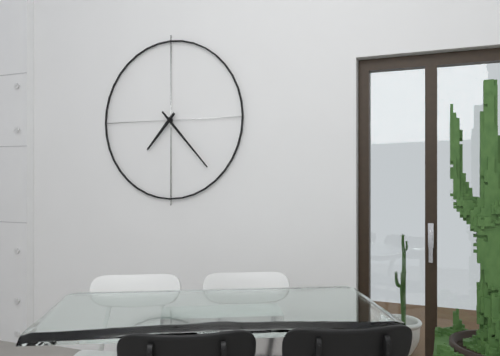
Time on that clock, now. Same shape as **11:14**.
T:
**7:23**
